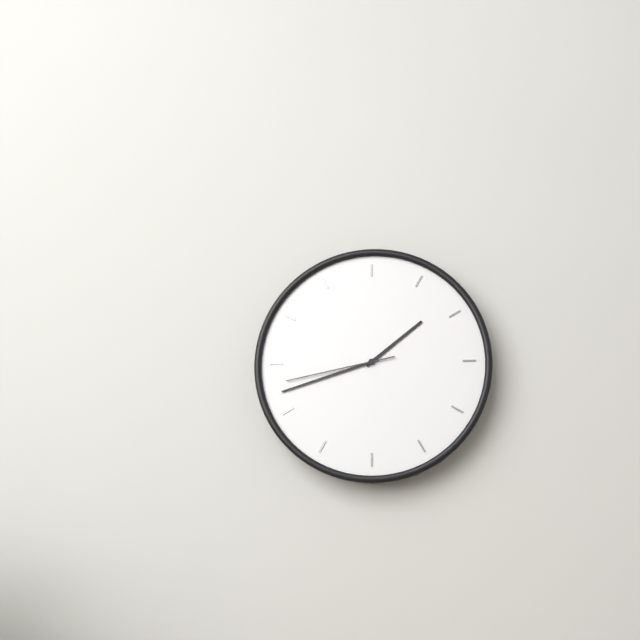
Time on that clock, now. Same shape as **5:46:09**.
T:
**1:42:43**
